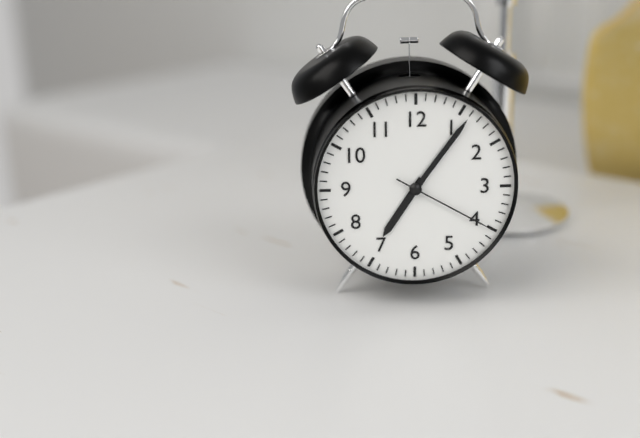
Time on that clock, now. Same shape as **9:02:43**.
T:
**7:06:20**
